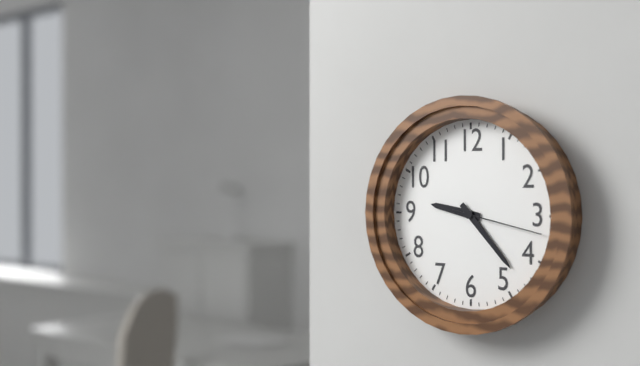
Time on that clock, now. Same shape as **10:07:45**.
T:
**9:23:17**
